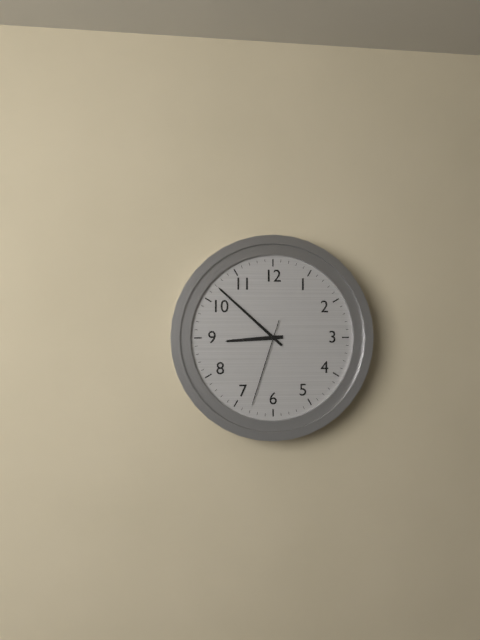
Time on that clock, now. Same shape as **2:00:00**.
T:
**8:52:33**
